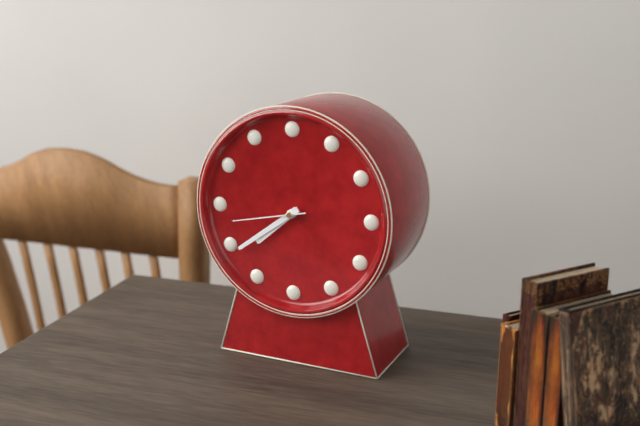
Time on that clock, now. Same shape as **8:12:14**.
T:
**7:39:43**
